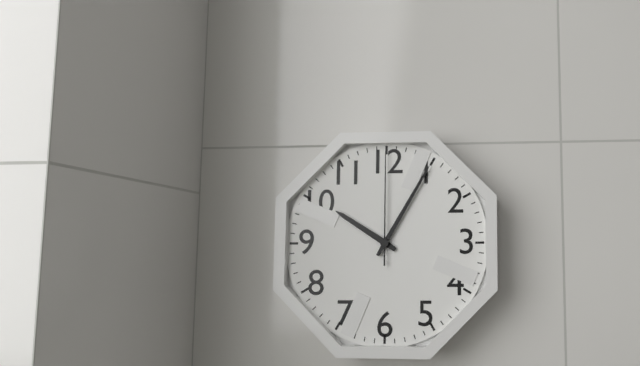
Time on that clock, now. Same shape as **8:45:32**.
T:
**10:05:00**
